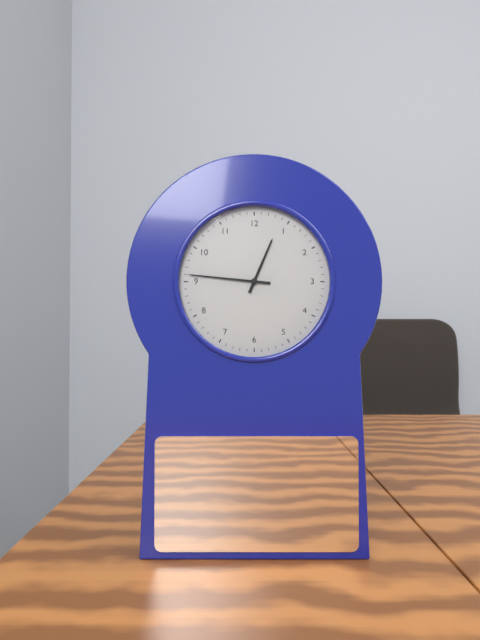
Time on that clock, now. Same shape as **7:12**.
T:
**12:46**
